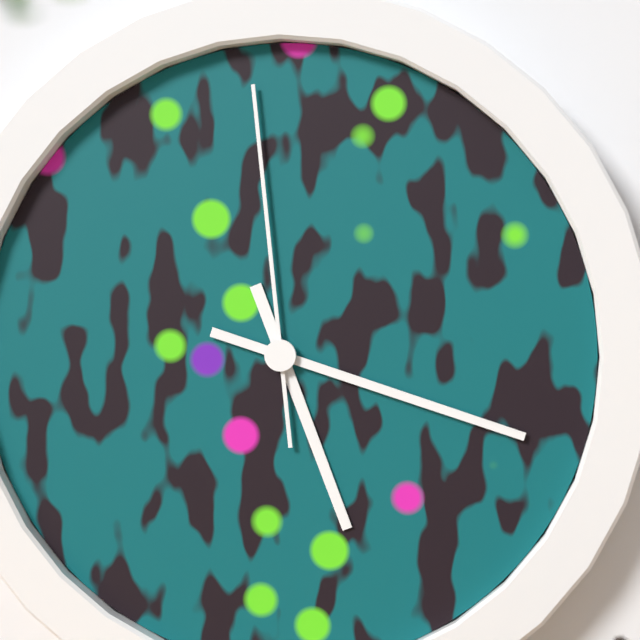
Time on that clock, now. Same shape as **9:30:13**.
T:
**5:18:59**
